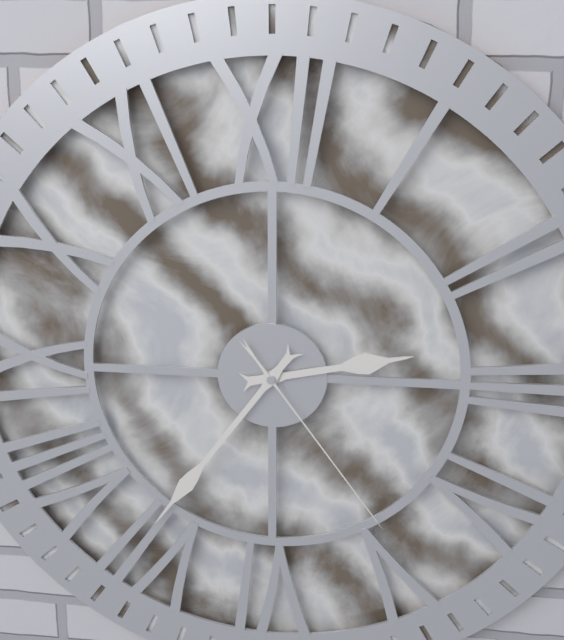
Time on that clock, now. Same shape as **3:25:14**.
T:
**2:36:24**
